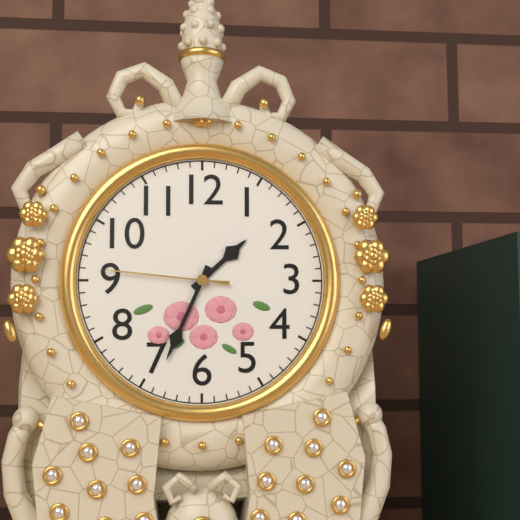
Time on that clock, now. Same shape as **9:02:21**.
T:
**1:34:46**
